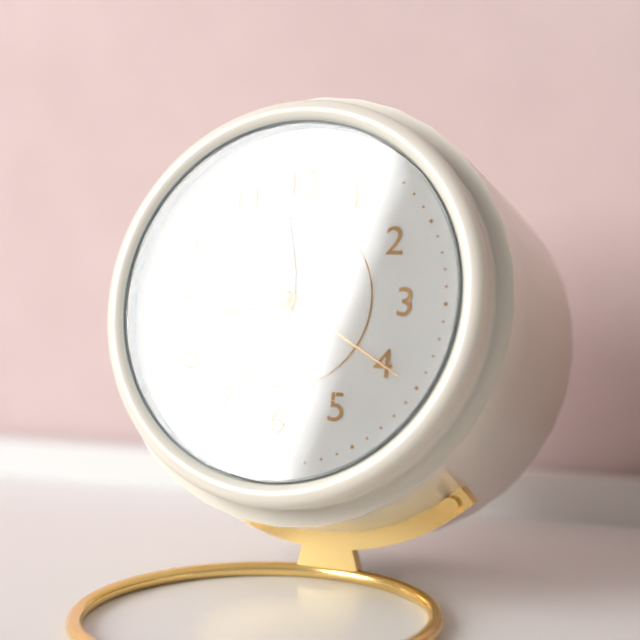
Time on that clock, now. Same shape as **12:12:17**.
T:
**11:44:20**
